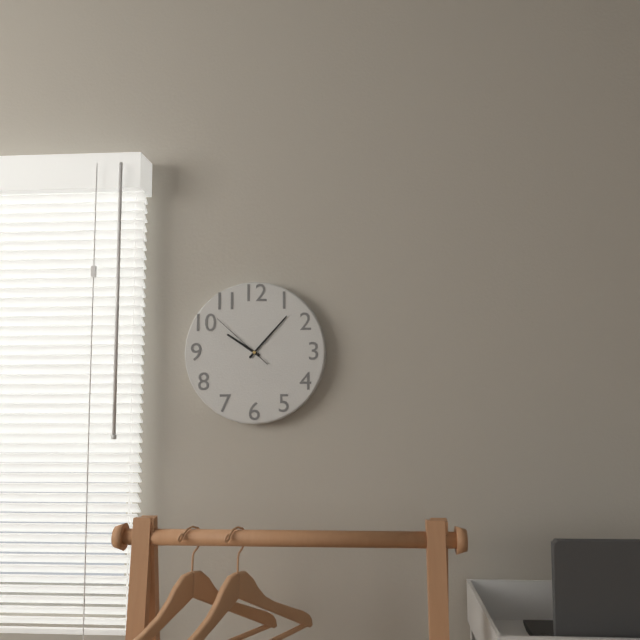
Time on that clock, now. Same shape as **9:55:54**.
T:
**10:07:52**
